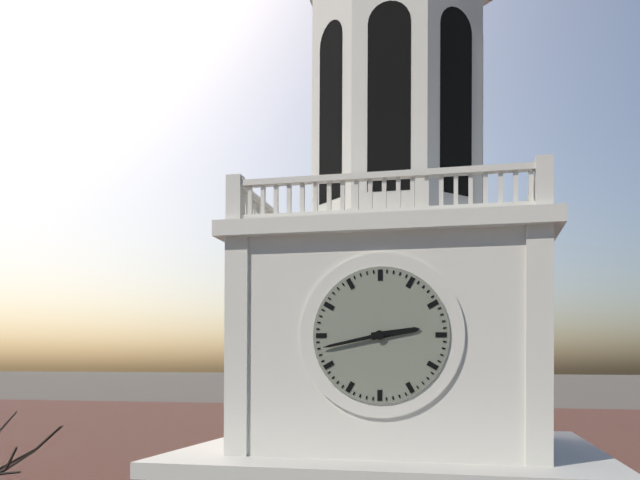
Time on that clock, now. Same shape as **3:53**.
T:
**2:43**
